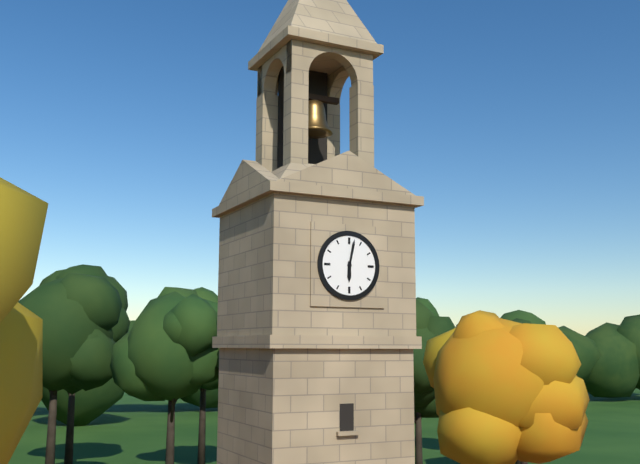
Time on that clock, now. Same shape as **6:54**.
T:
**6:02**
